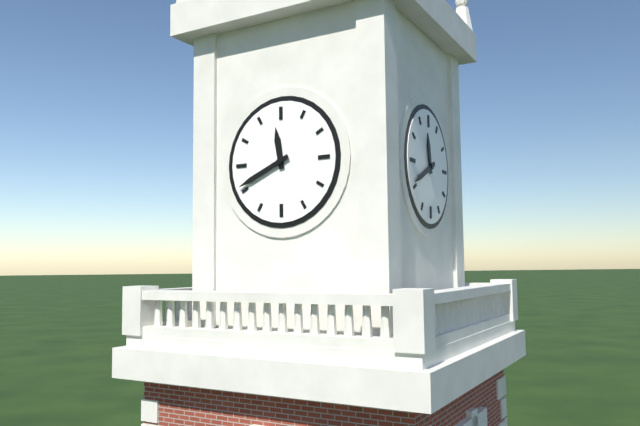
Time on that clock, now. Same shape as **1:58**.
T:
**11:41**
